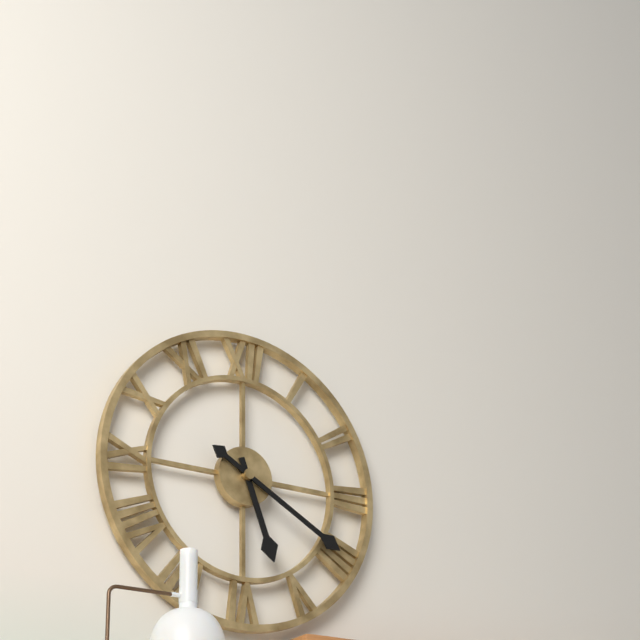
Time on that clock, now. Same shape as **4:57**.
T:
**5:20**
